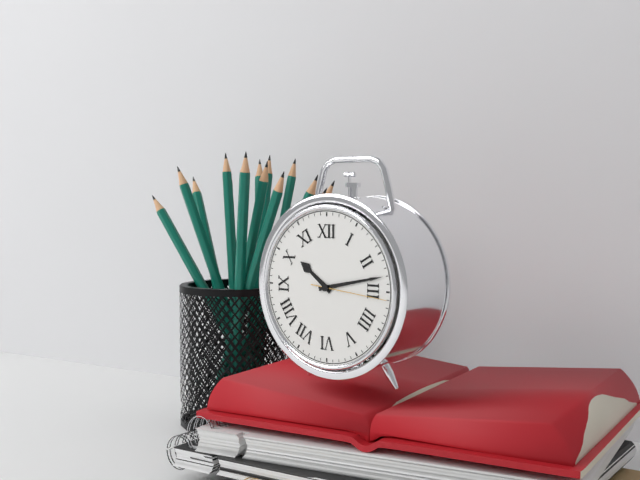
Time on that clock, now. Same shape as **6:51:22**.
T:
**10:13:16**
